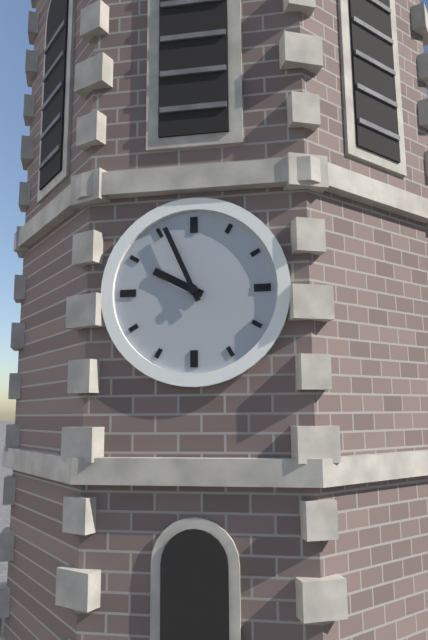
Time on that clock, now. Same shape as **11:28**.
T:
**9:56**
